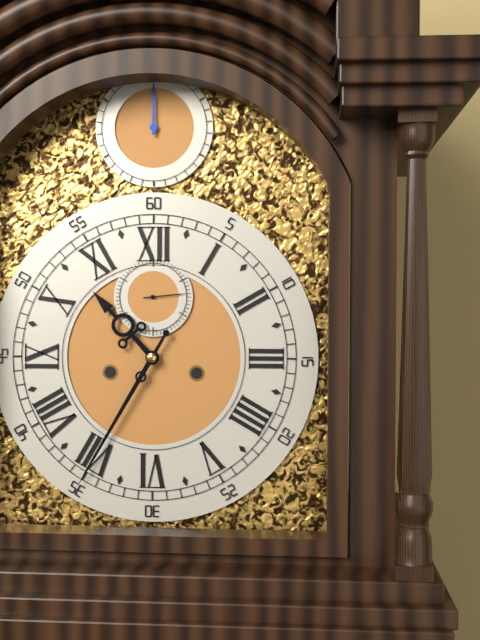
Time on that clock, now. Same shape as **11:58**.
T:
**10:35**
